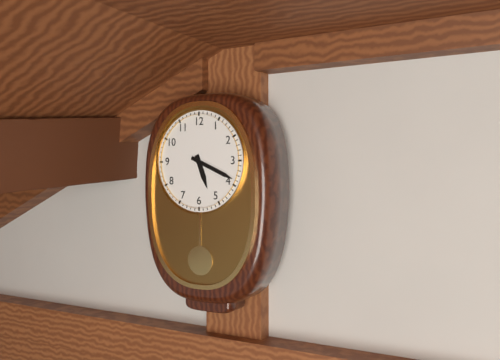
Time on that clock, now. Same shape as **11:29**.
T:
**5:19**
